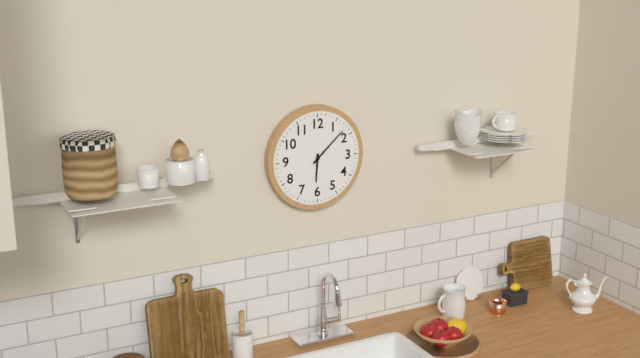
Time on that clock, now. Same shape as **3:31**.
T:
**6:08**
